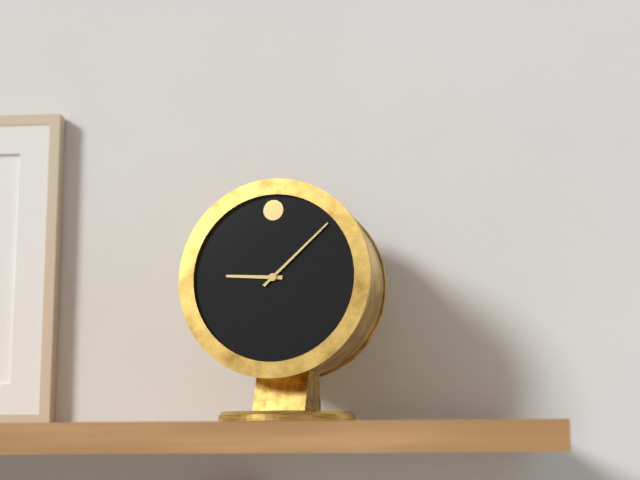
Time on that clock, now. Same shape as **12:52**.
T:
**9:08**
